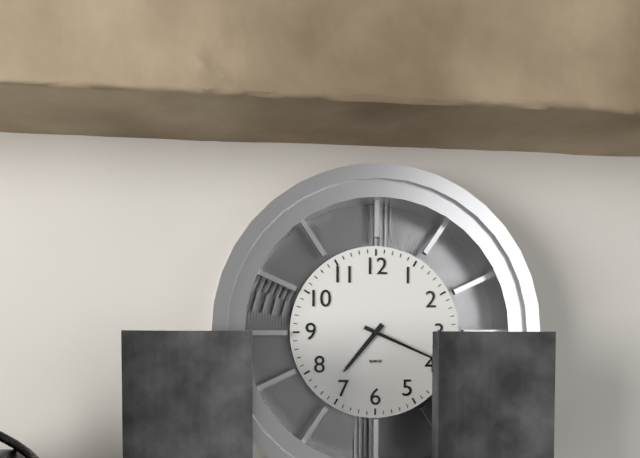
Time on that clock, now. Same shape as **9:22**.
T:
**7:19**
